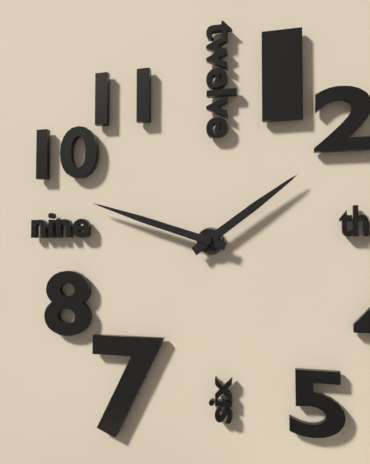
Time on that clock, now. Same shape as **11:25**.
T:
**1:48**
